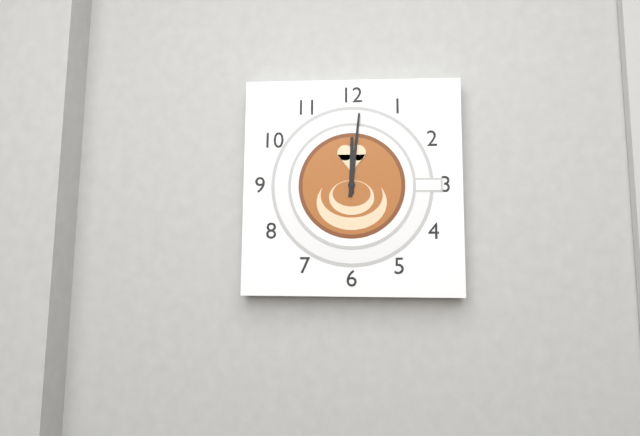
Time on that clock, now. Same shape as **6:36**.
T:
**12:01**
